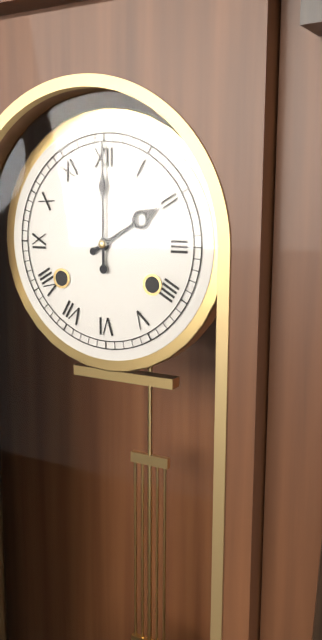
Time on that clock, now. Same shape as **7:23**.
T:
**2:00**
